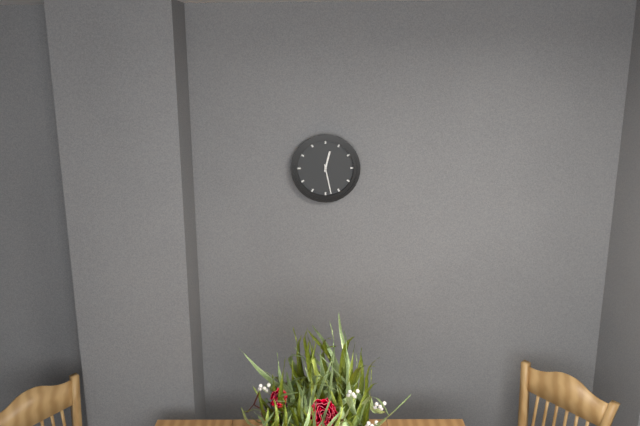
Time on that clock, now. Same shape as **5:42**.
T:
**12:28**
